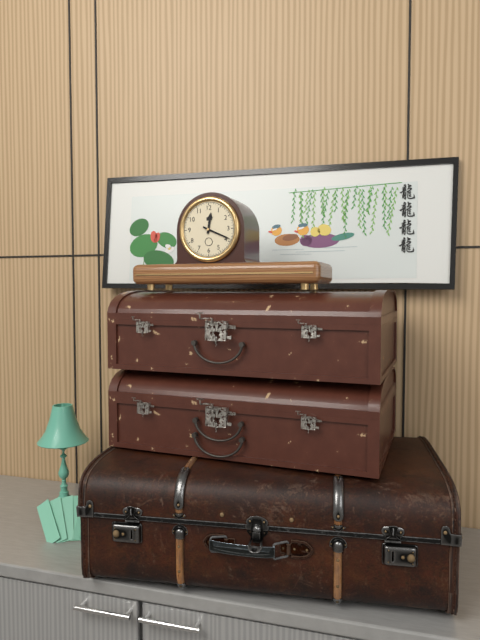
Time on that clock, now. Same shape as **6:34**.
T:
**12:19**
